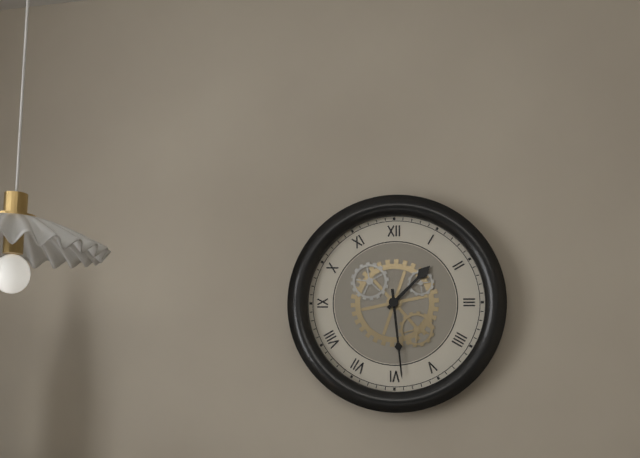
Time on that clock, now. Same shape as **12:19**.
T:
**1:29**
